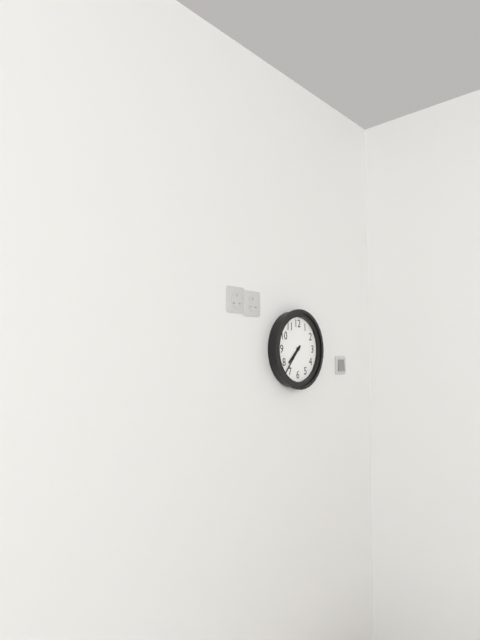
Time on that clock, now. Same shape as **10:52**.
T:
**7:37**
